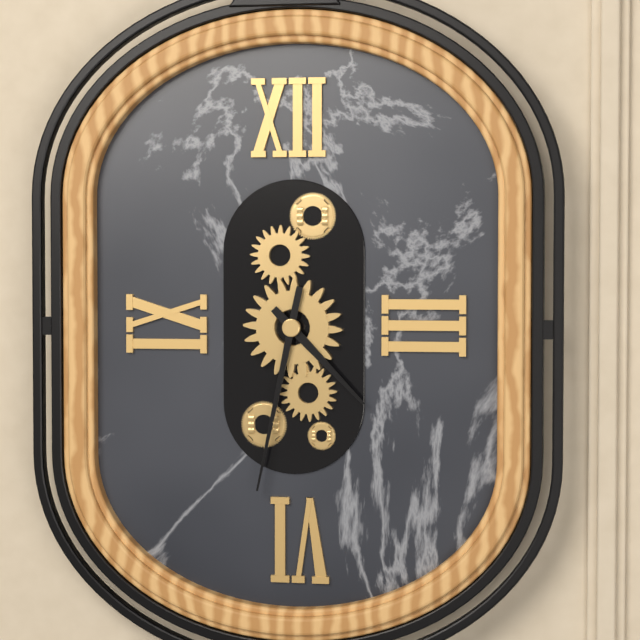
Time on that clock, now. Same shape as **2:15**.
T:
**4:32**
